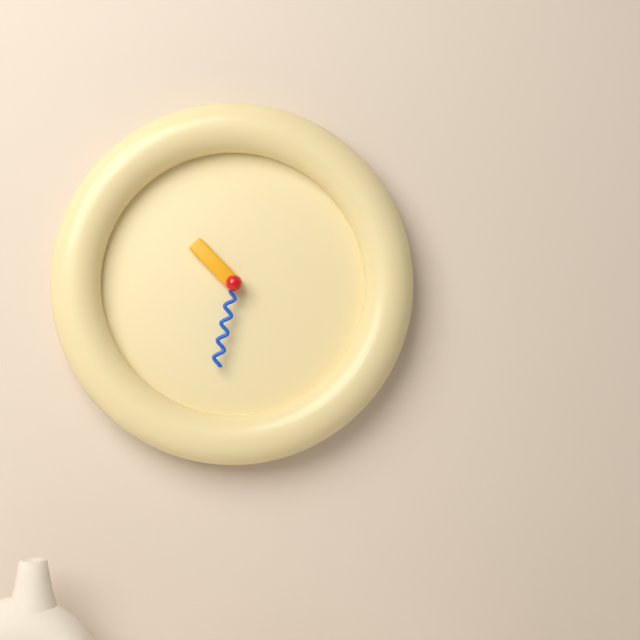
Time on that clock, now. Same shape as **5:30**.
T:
**10:32**
